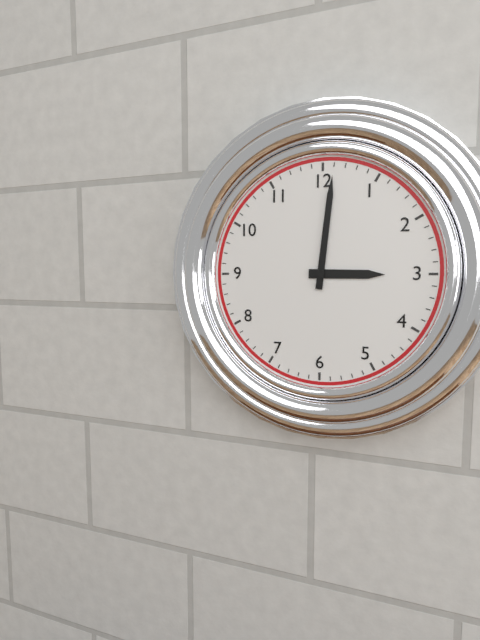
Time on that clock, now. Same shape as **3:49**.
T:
**3:01**
